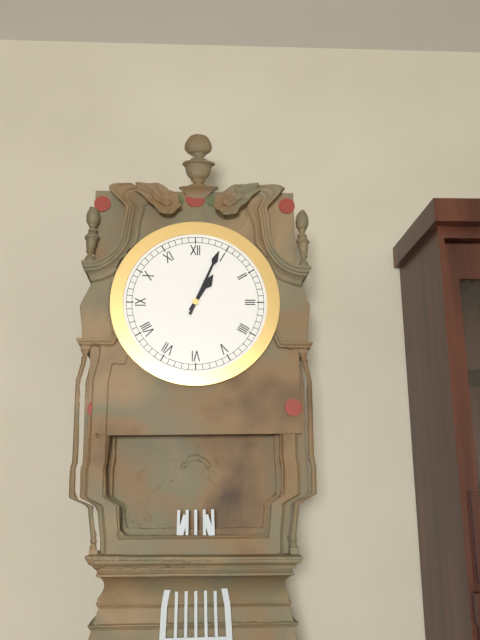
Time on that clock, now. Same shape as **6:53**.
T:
**1:04**
